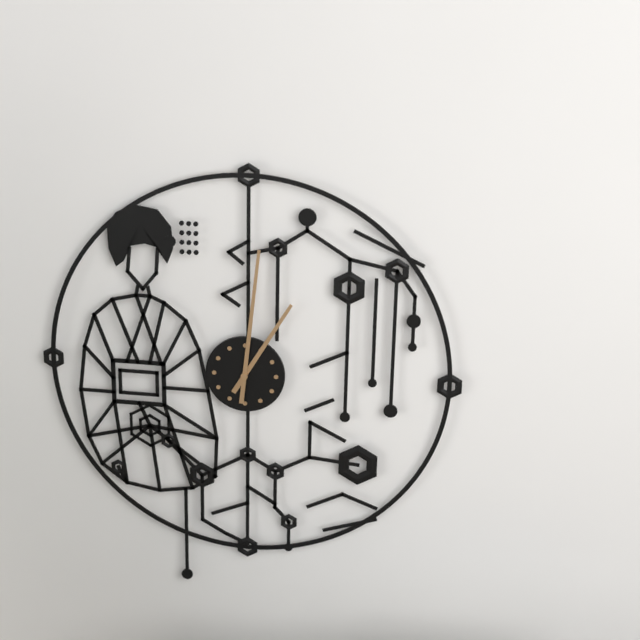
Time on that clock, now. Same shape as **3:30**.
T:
**1:01**
